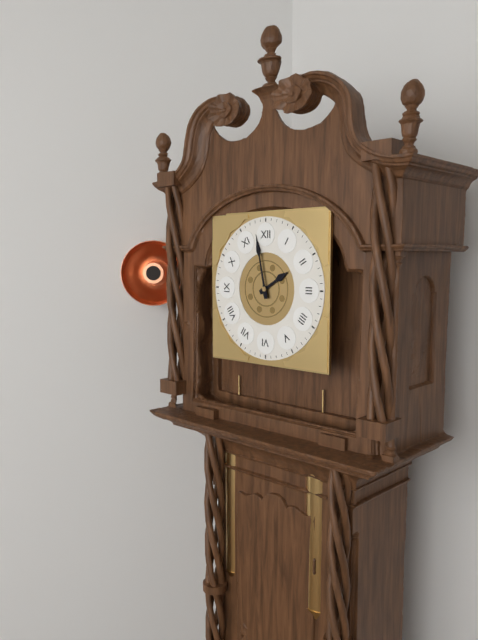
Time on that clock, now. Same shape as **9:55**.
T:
**1:58**
